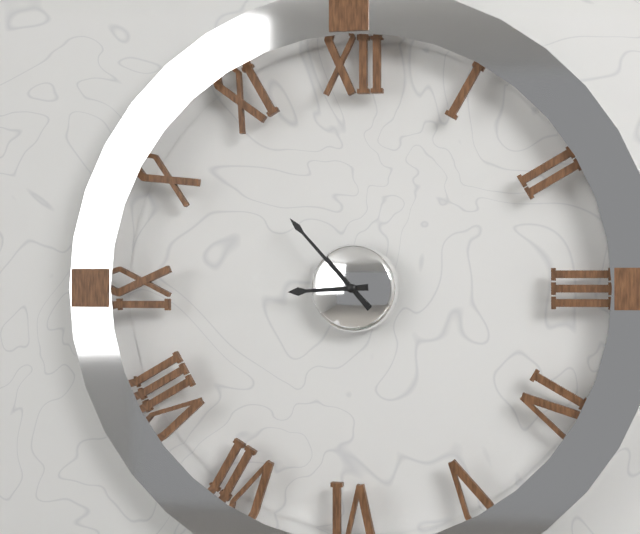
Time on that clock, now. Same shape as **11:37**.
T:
**8:53**
